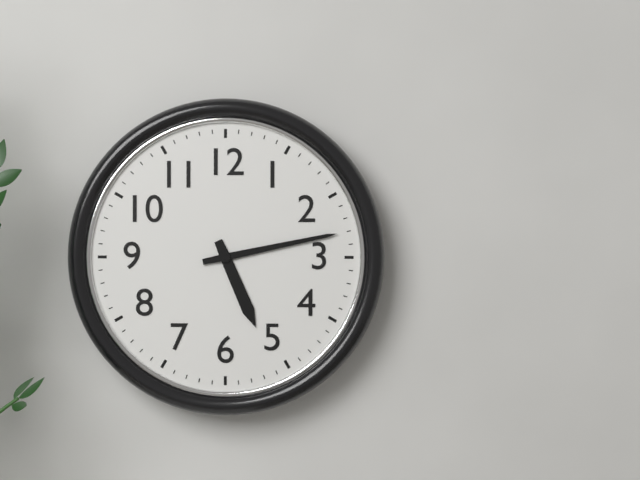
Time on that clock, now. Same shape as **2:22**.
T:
**5:13**
